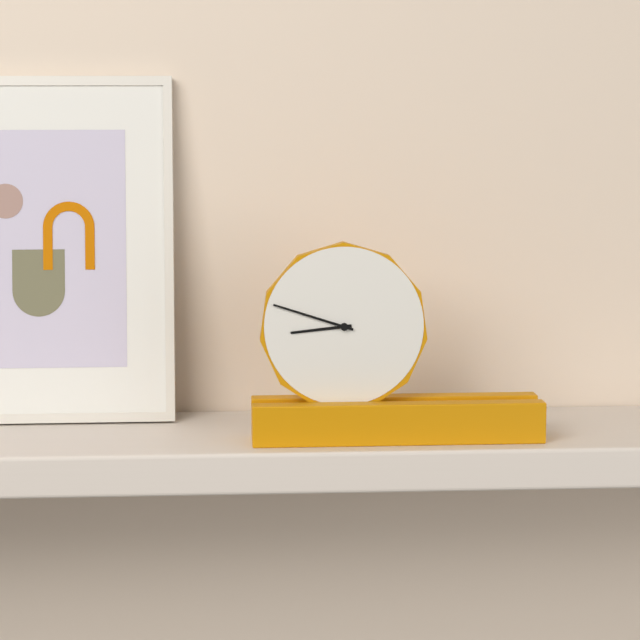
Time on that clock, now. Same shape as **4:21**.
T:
**8:48**
